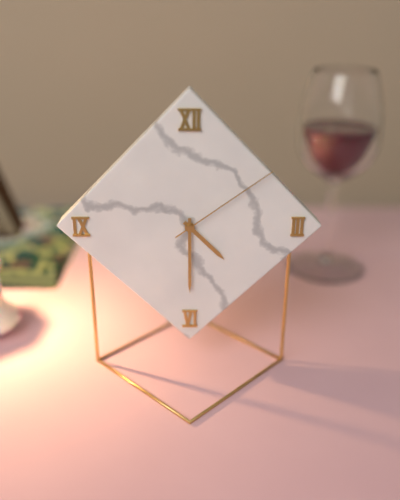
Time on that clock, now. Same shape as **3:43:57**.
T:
**4:30:09**
